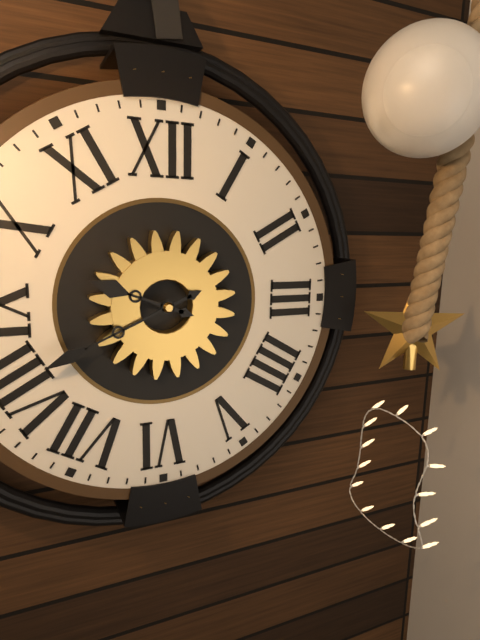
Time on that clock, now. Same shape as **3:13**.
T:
**9:41**
